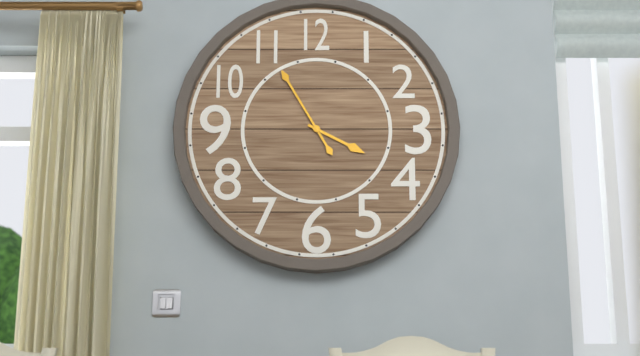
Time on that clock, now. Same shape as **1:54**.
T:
**3:55**
